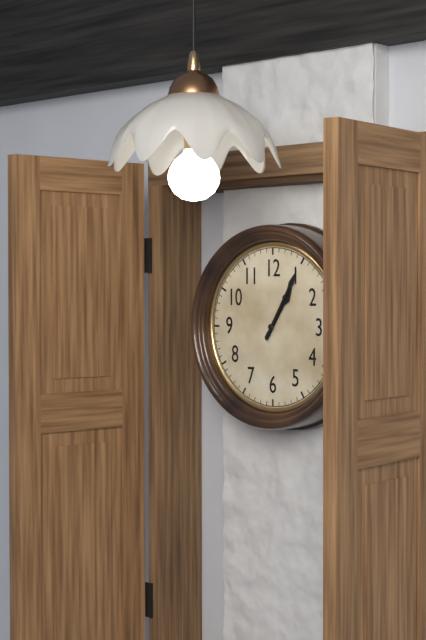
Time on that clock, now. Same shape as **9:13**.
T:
**1:05**
